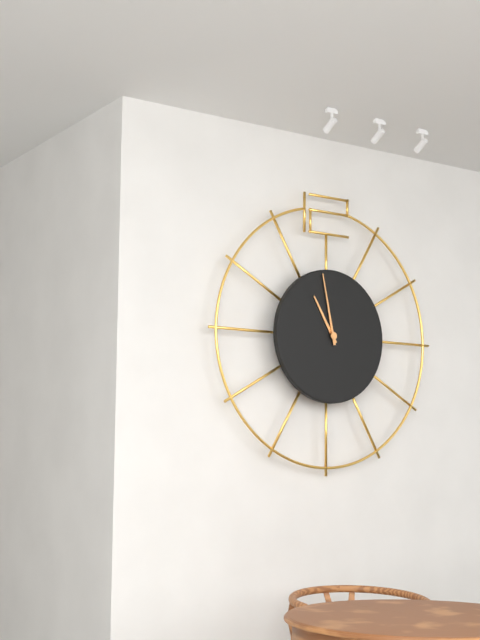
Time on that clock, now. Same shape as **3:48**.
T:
**10:58**
